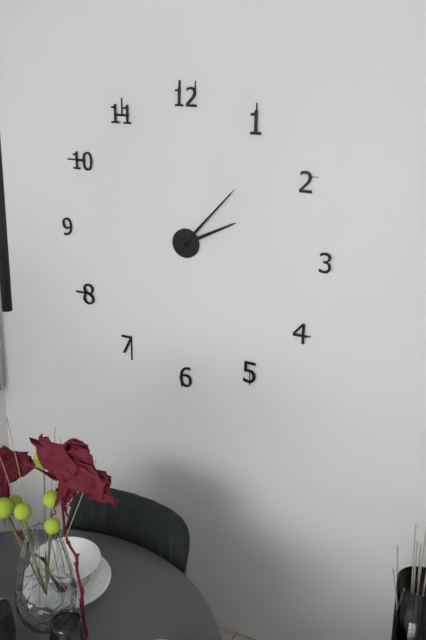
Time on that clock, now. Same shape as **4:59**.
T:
**2:07**
